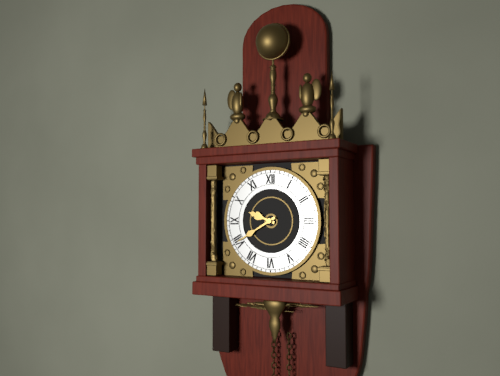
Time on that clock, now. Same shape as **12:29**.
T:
**9:40**
